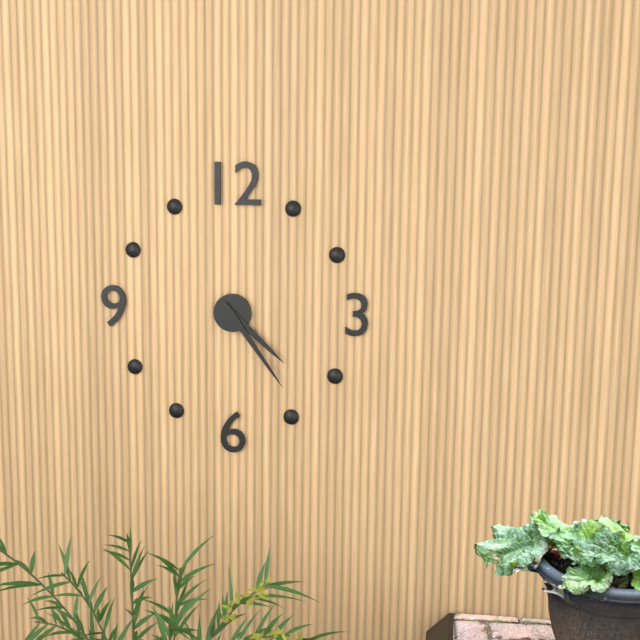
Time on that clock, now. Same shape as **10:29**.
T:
**4:24**
